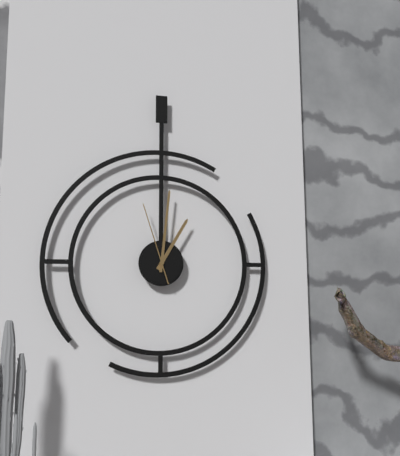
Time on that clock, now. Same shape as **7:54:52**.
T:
**1:01:57**
